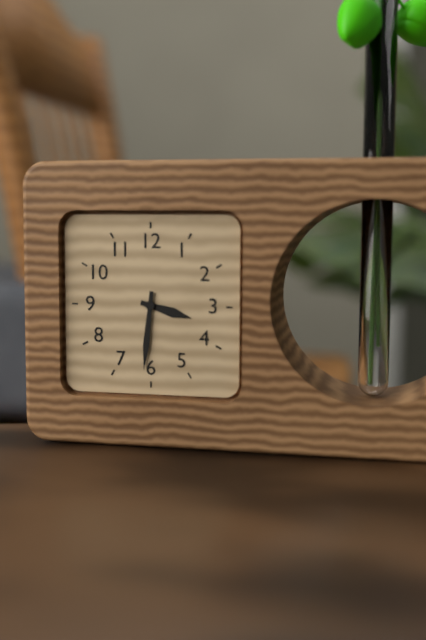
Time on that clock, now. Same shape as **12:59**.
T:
**3:31**
